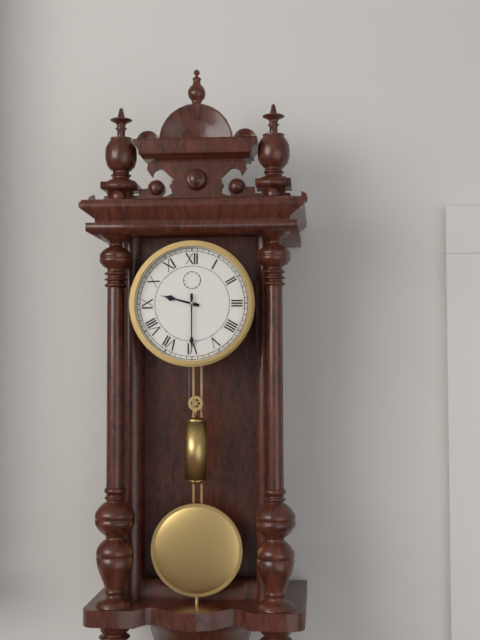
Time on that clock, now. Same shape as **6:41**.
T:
**9:30**
